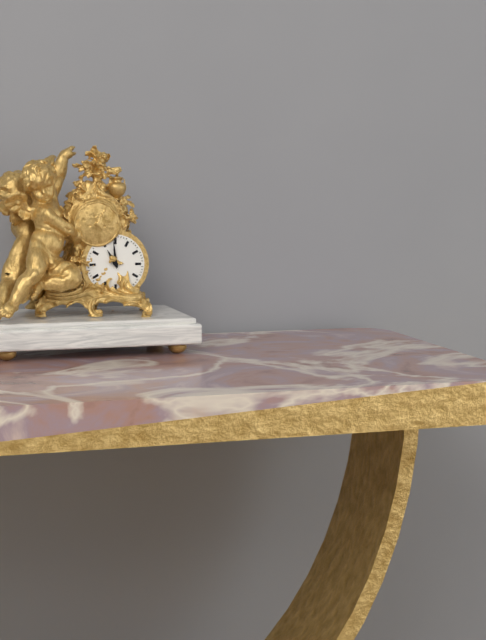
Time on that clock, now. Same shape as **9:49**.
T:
**10:59**
